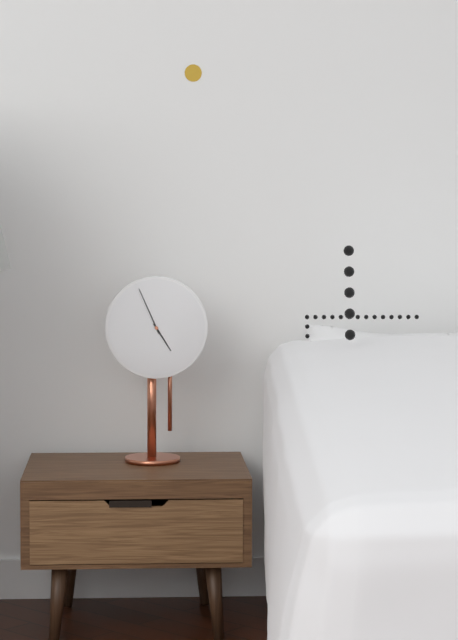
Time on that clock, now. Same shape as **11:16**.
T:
**4:56**
